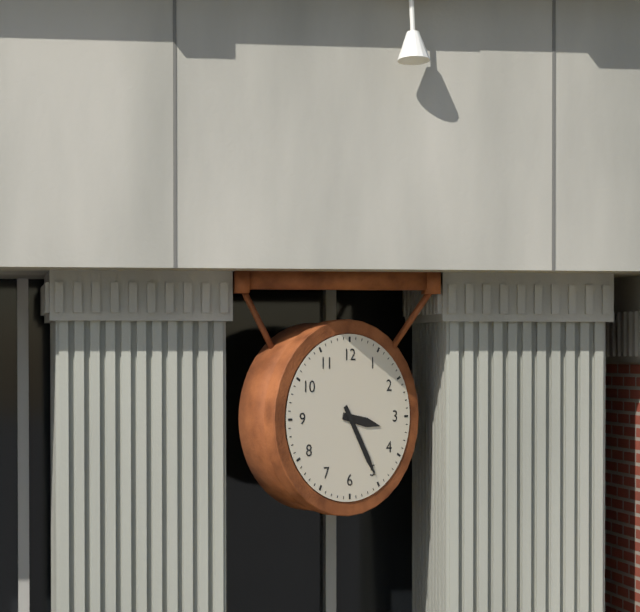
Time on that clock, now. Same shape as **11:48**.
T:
**3:25**
